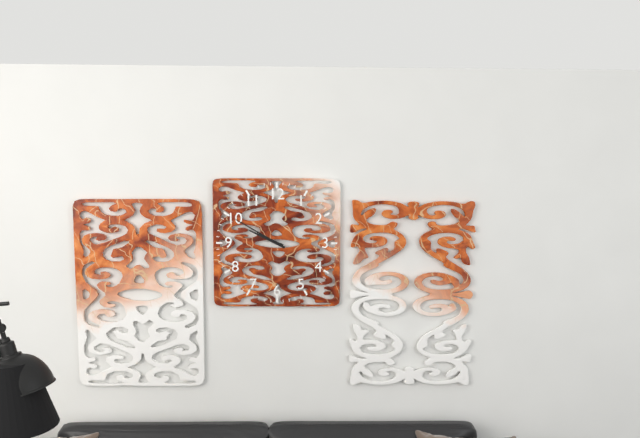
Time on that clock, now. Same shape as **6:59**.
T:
**9:50**
